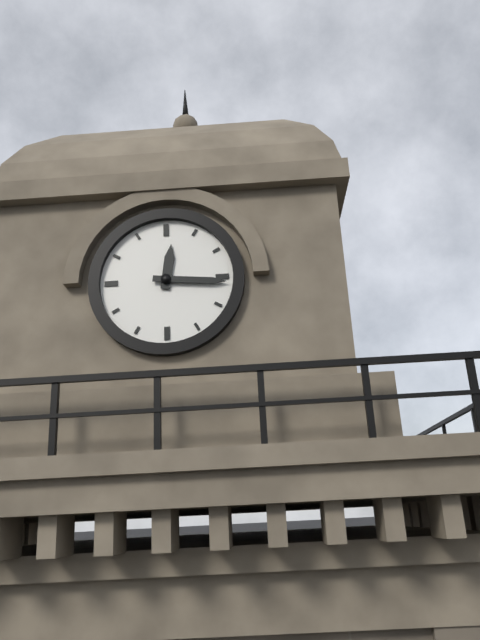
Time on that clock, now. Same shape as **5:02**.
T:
**12:16**
